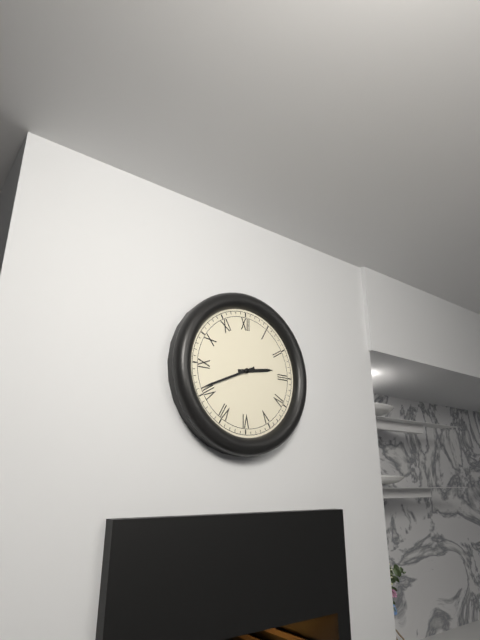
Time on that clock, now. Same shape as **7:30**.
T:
**2:41**
